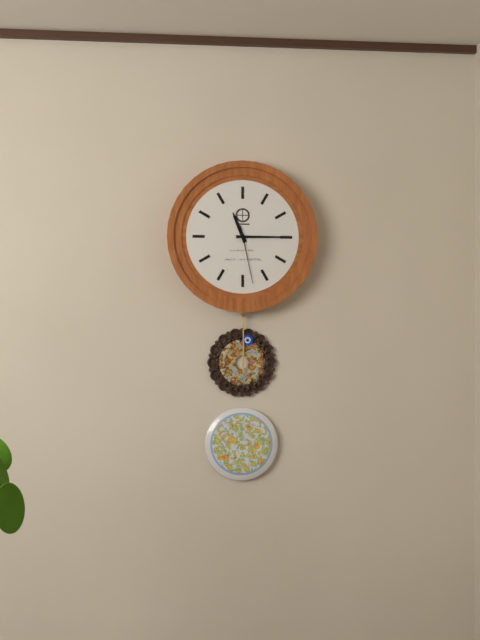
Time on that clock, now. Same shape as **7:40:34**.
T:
**11:15:28**
